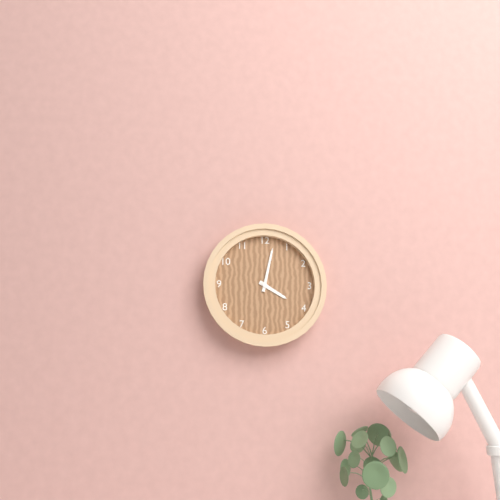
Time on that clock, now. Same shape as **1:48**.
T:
**4:02**
